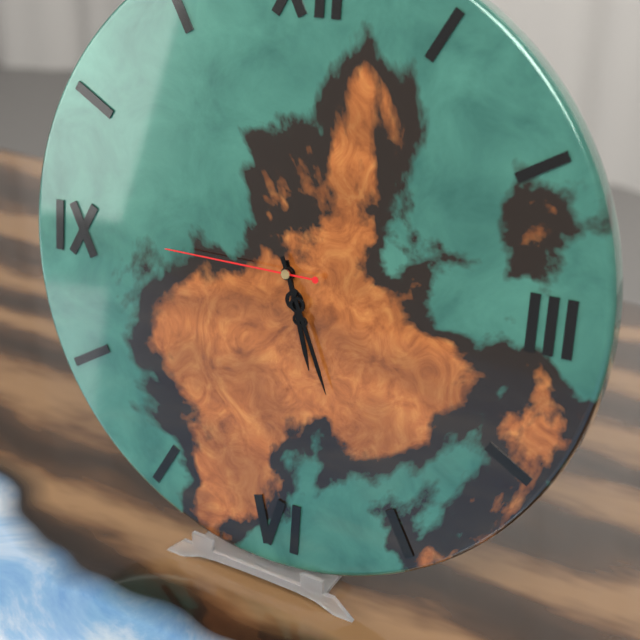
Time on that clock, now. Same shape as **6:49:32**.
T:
**5:26:45**
